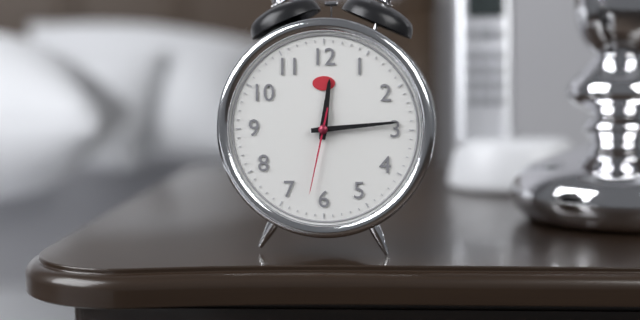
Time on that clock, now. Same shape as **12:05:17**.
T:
**12:14:32**
